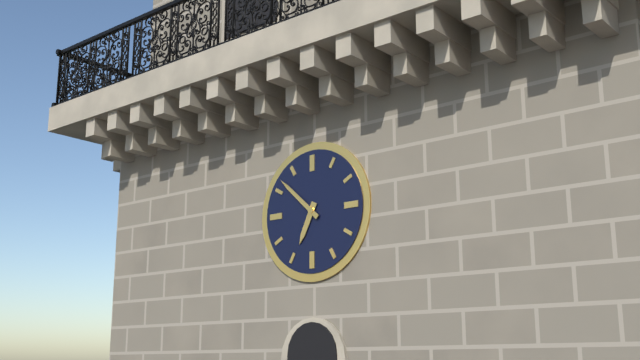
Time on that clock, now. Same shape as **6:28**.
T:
**6:52**
